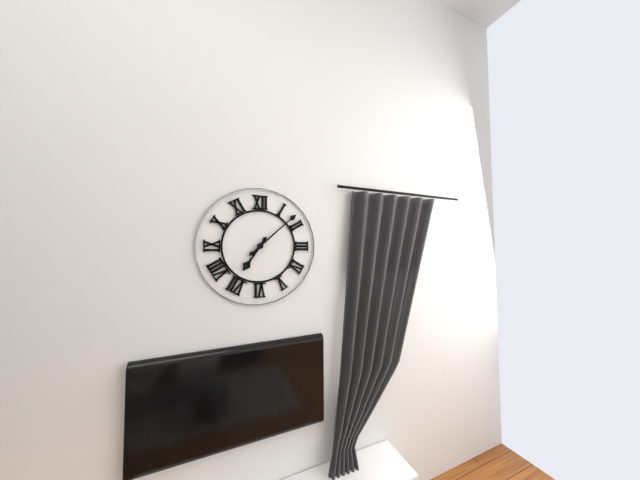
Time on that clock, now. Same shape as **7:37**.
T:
**7:08**
